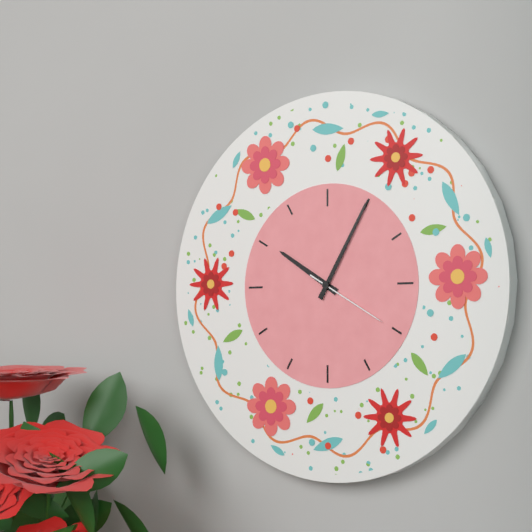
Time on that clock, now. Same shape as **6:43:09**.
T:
**10:05:20**
